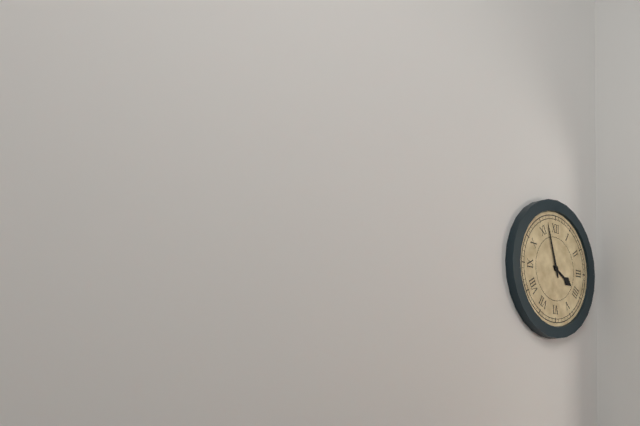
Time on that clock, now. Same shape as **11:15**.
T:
**3:57**
